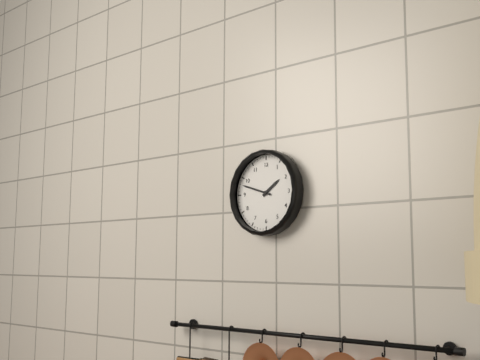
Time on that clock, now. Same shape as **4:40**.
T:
**1:48**
